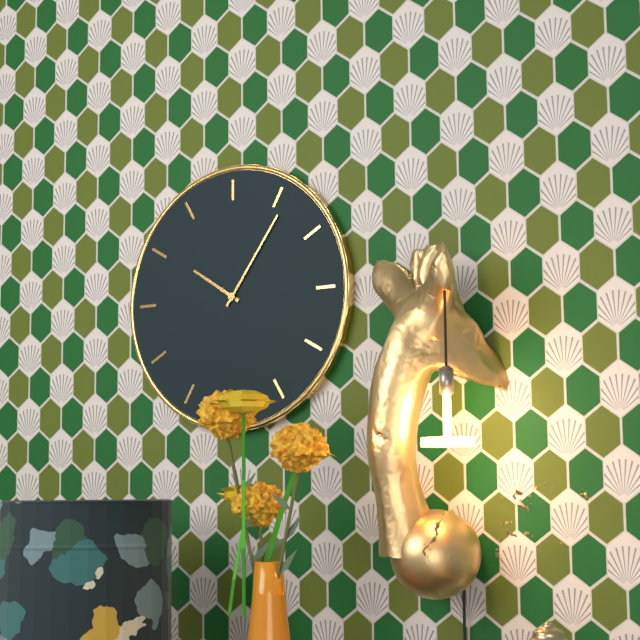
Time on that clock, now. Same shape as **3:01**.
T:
**10:06**
